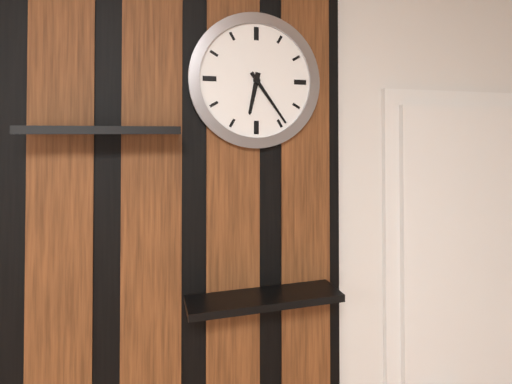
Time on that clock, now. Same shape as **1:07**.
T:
**6:24**
